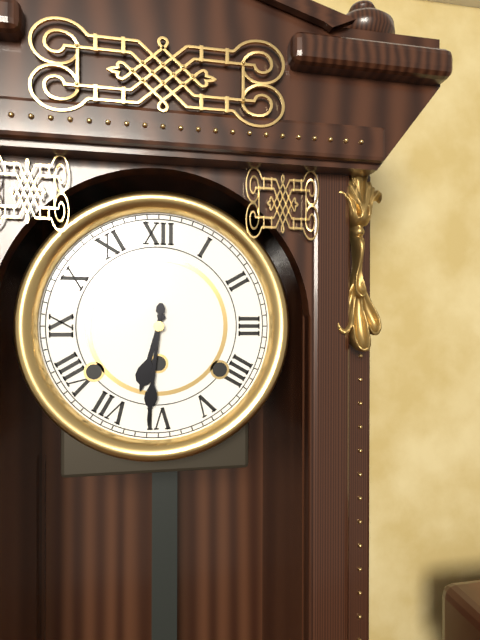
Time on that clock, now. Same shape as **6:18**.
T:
**6:31**
